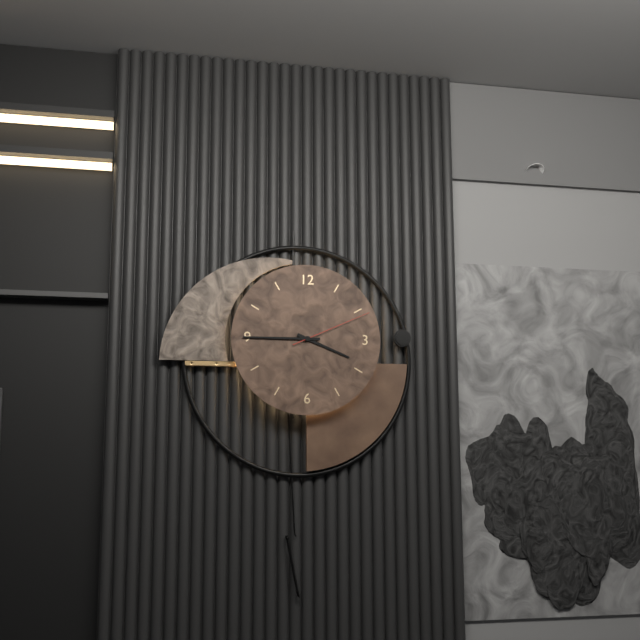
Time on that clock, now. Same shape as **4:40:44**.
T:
**3:45:11**
